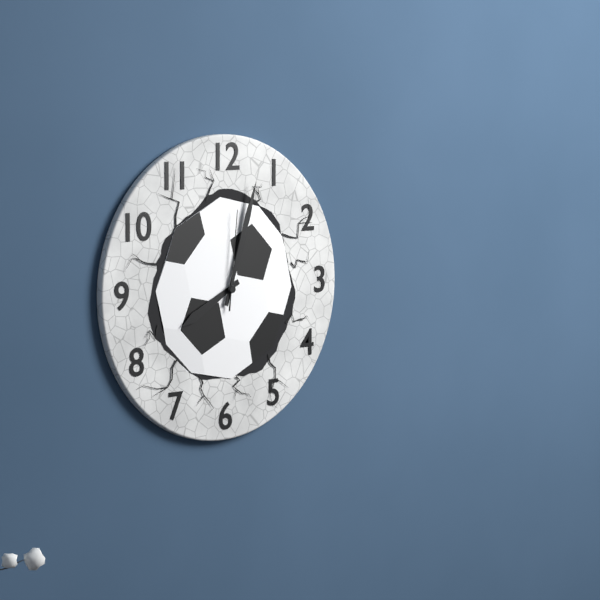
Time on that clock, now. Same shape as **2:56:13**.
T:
**8:03:01**
